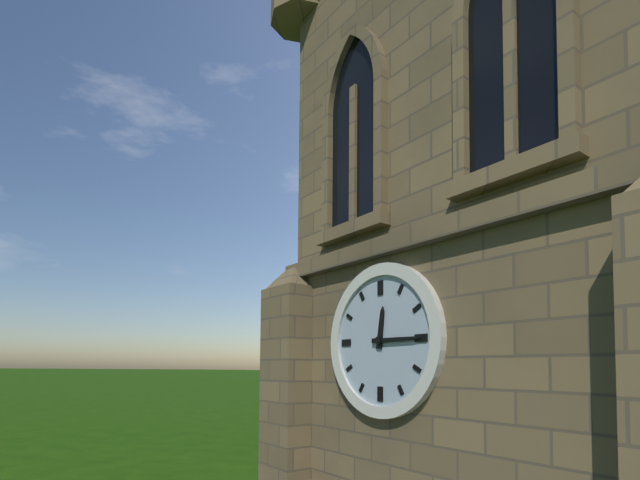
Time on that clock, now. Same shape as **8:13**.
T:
**12:15**
